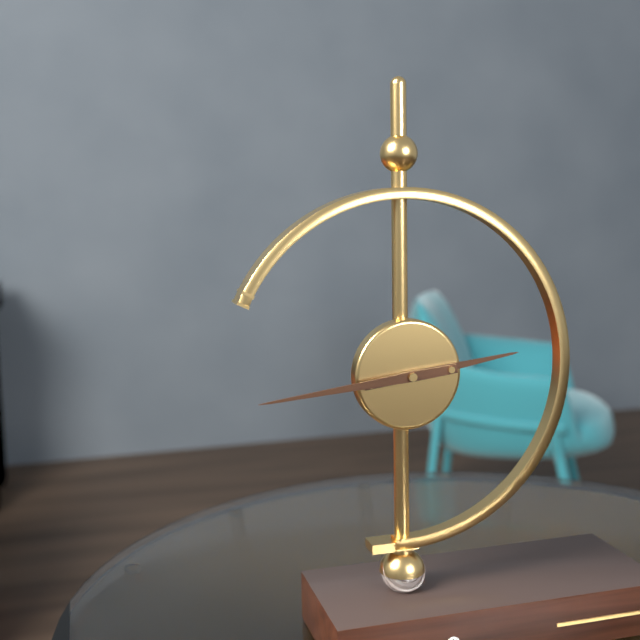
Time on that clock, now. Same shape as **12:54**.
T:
**2:44**
